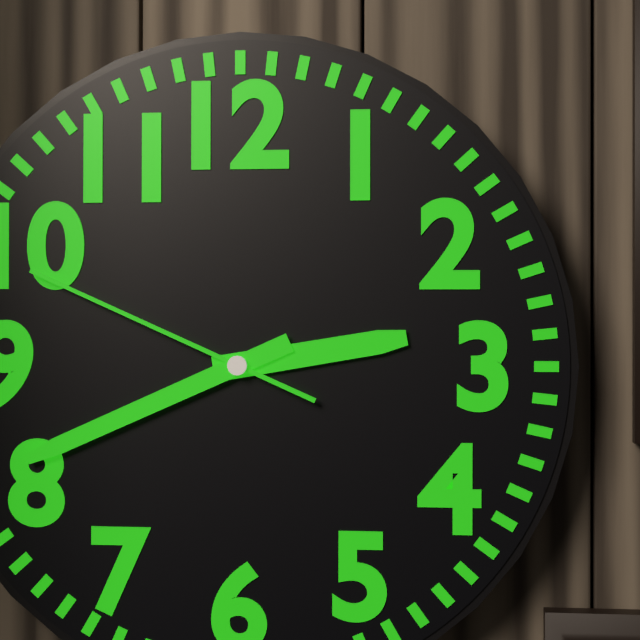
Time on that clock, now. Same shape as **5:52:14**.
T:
**2:41:49**
